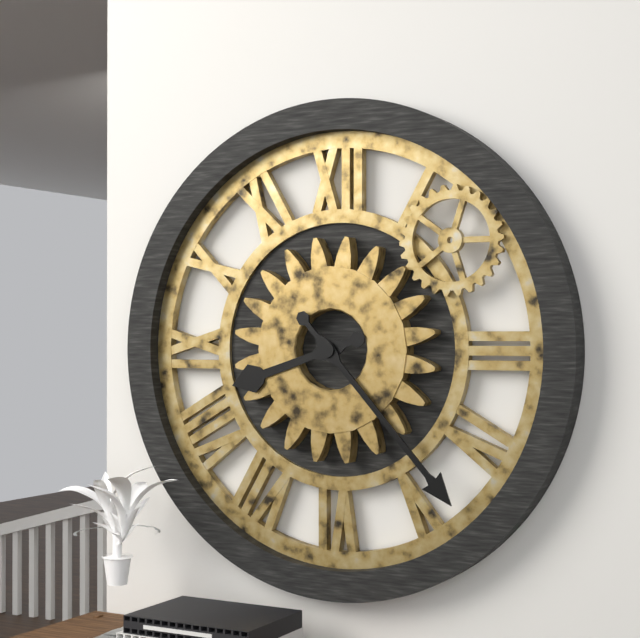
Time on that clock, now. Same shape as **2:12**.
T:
**8:23**
